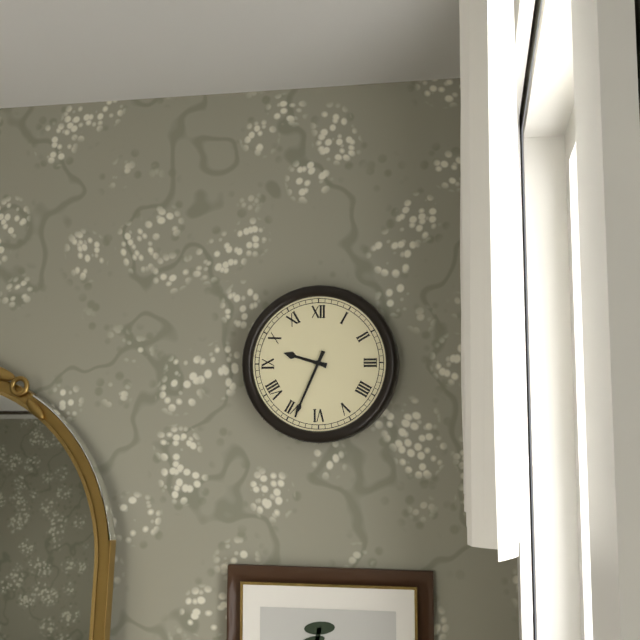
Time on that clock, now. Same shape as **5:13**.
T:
**9:34**
